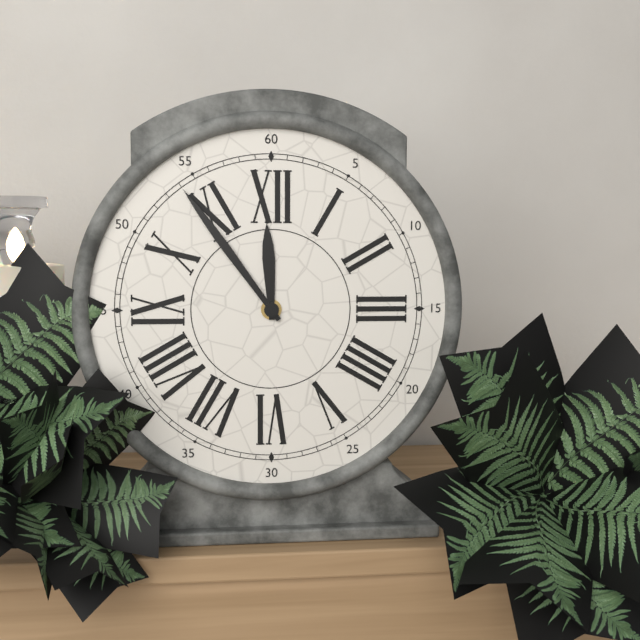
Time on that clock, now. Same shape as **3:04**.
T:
**11:54**
